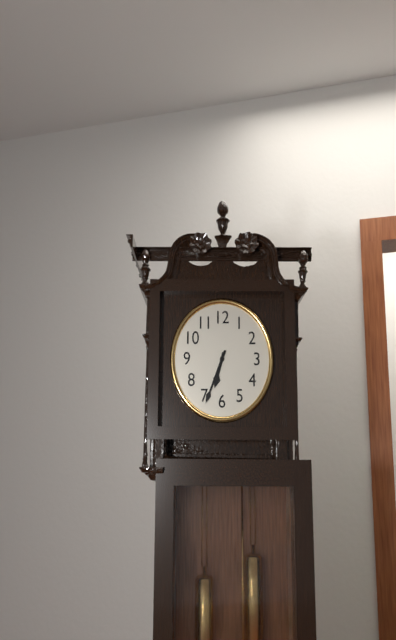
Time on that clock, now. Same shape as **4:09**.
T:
**6:34**
